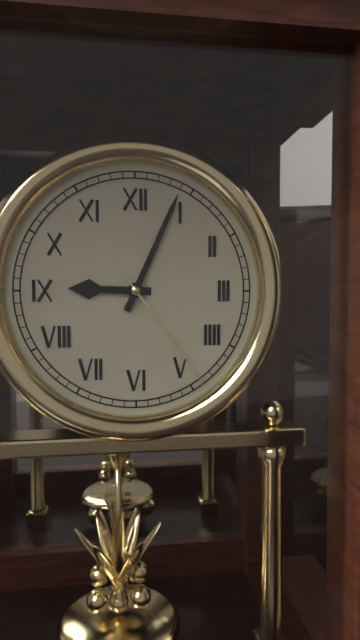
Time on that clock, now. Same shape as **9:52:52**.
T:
**9:04:24**
